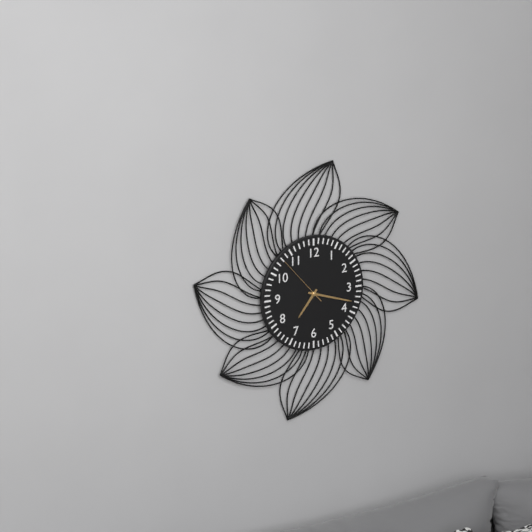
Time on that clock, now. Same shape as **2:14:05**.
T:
**7:18:53**
